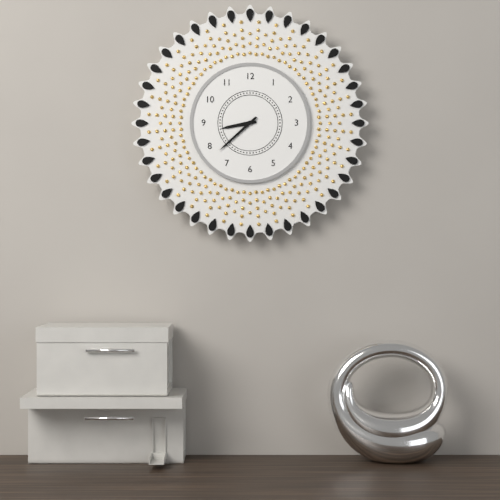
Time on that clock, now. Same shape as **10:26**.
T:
**8:38**
